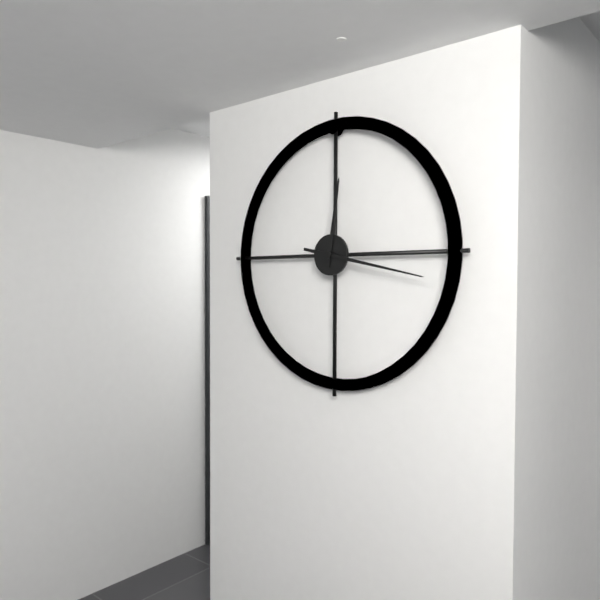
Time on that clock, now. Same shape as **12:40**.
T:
**12:17**
